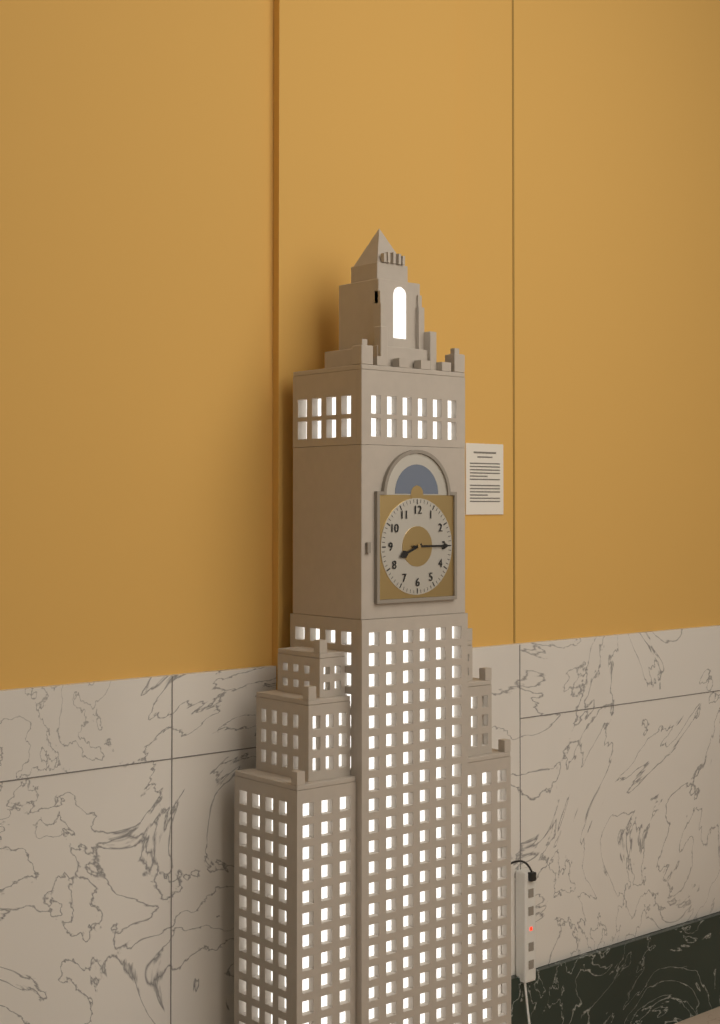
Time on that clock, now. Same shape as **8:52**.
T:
**8:15**
